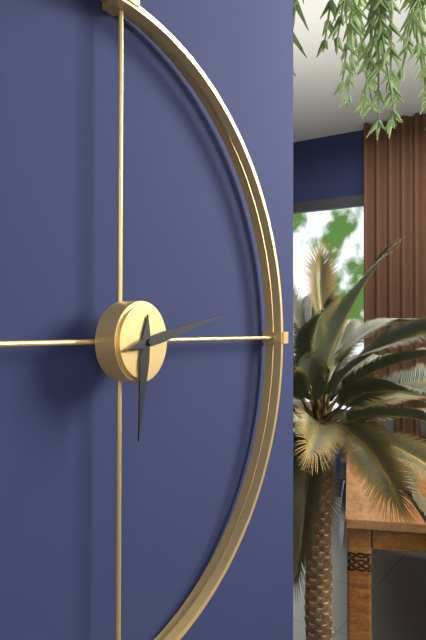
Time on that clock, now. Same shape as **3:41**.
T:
**6:13**
